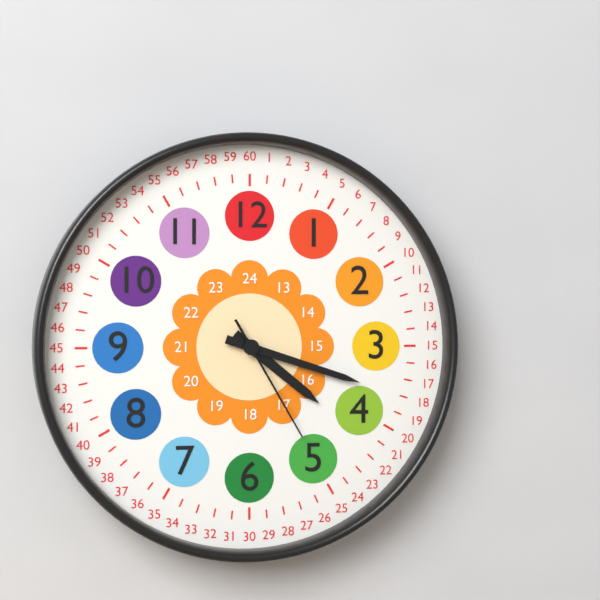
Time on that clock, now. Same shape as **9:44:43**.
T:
**4:18:25**
